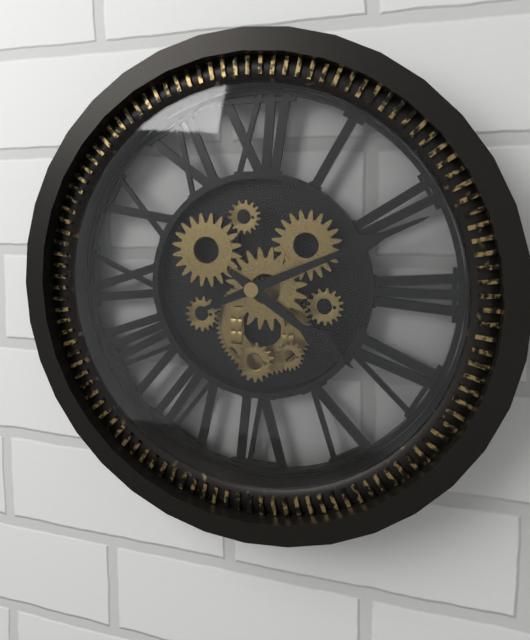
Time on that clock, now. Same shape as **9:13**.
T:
**4:11**
